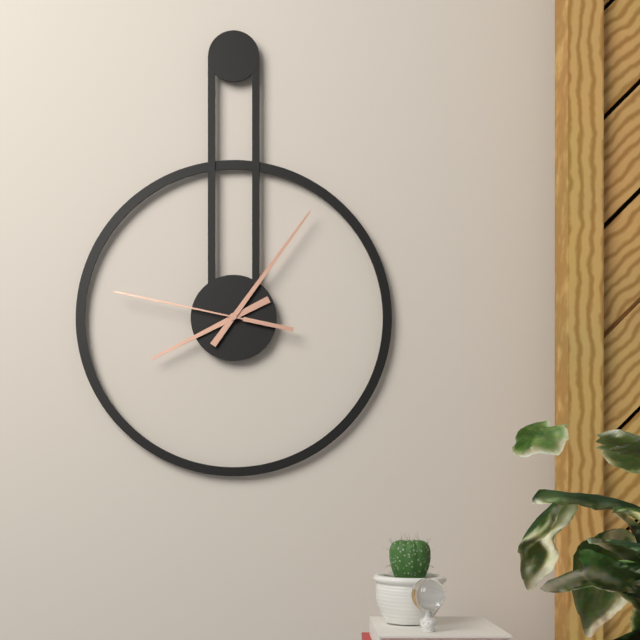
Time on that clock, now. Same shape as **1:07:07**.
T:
**8:06:47**
